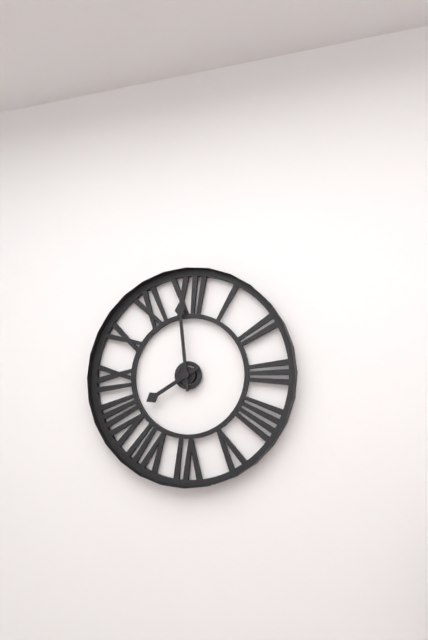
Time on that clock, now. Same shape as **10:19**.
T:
**7:59**
